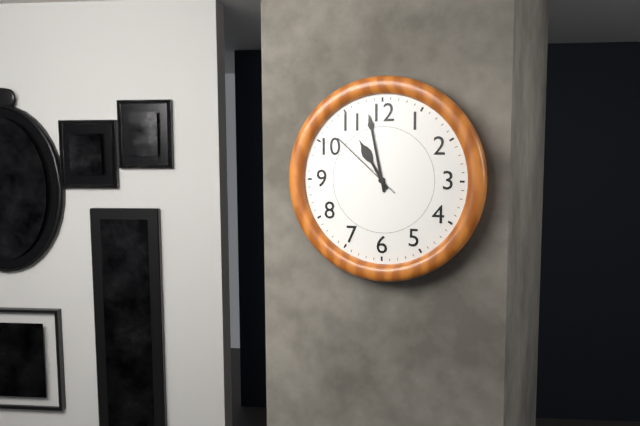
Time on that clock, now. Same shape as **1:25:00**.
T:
**10:58:52**
